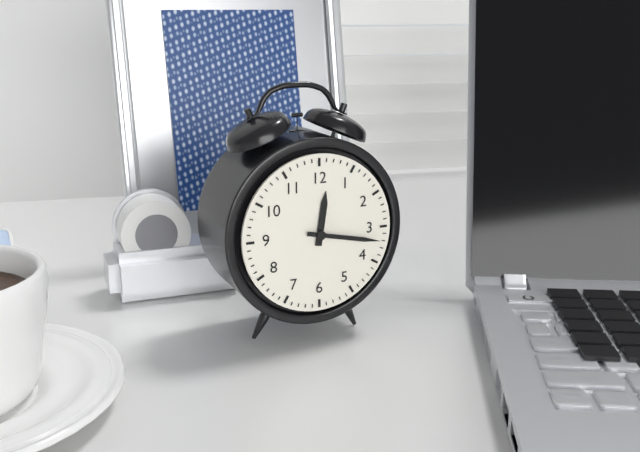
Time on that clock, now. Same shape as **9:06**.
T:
**12:17**
